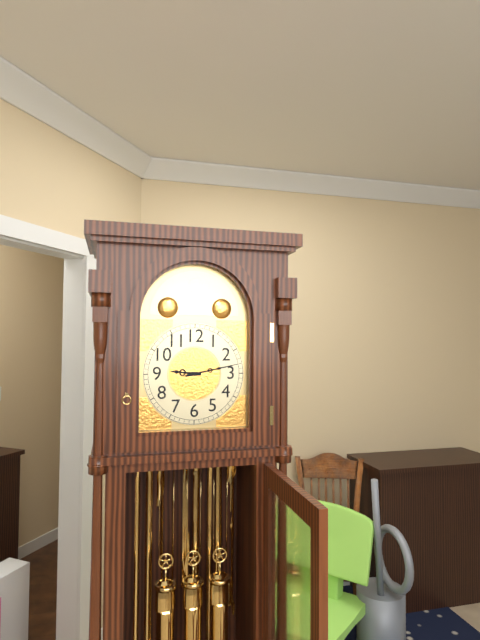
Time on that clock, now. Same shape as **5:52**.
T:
**9:13**
